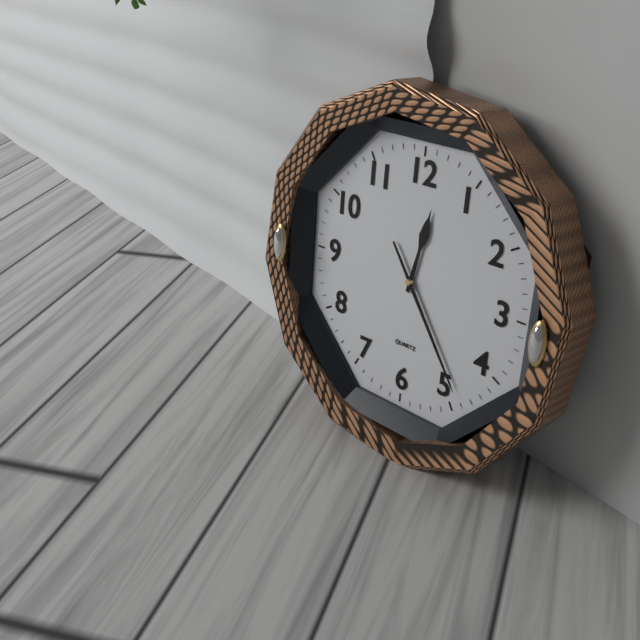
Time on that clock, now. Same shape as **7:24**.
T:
**12:24**
